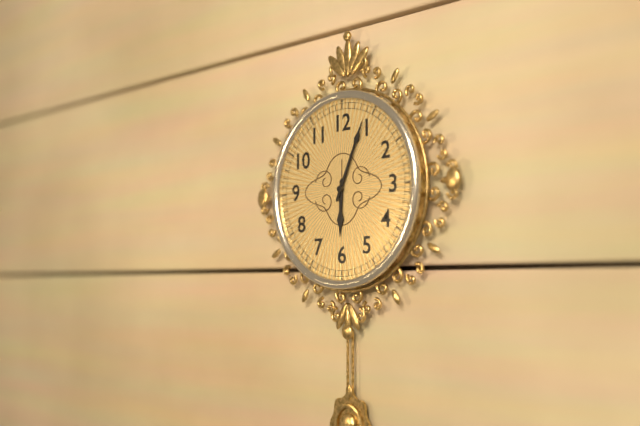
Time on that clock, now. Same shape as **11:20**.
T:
**6:04**
